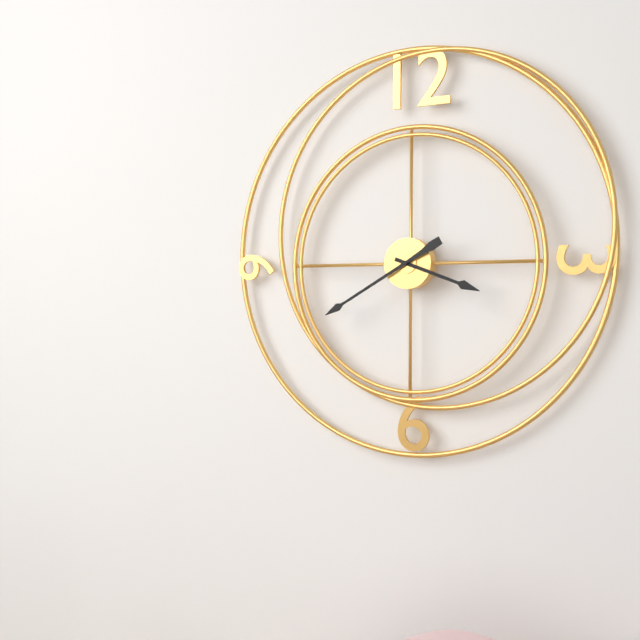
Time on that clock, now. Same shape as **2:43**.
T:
**3:40**
